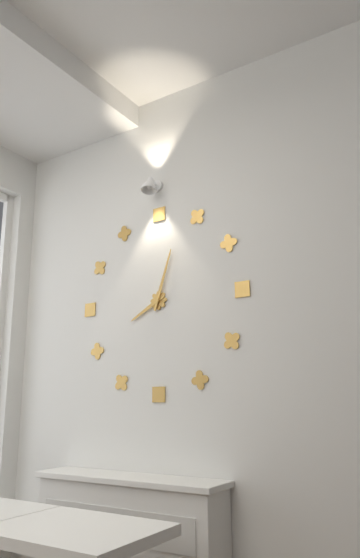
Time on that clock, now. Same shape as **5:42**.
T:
**8:03**
